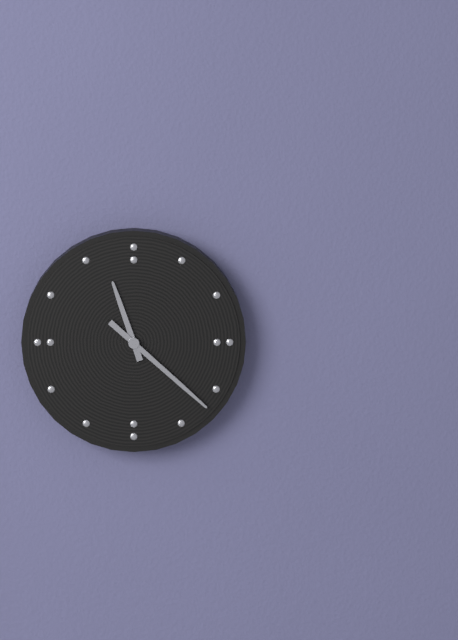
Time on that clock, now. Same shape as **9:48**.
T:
**11:22**
